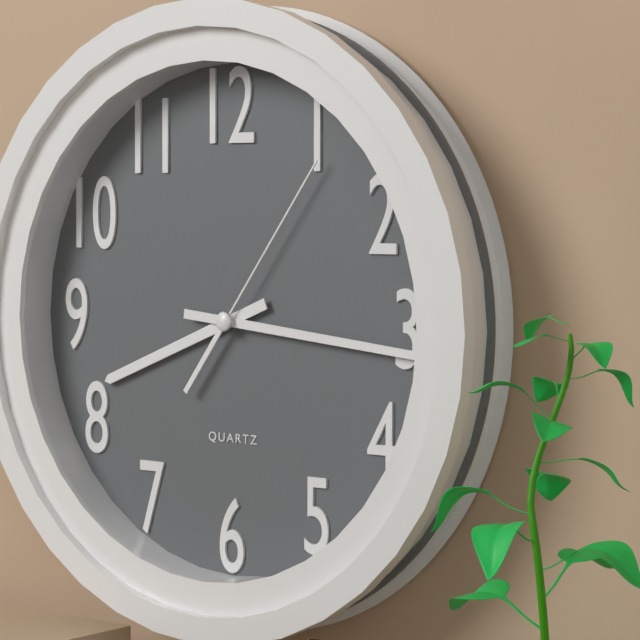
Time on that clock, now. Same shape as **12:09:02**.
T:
**8:16:06**
